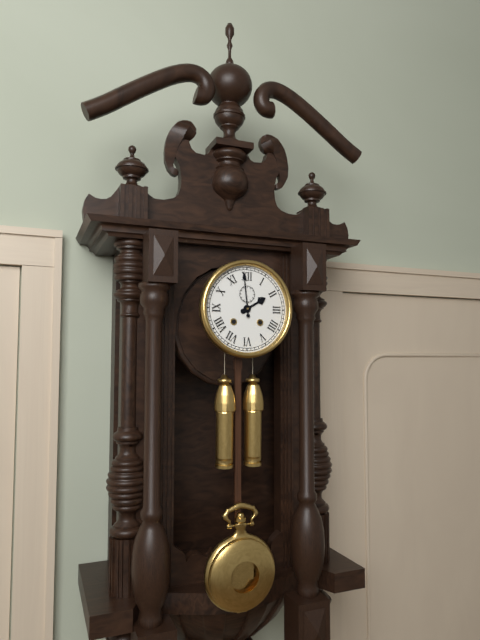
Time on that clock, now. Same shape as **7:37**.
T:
**1:59**
